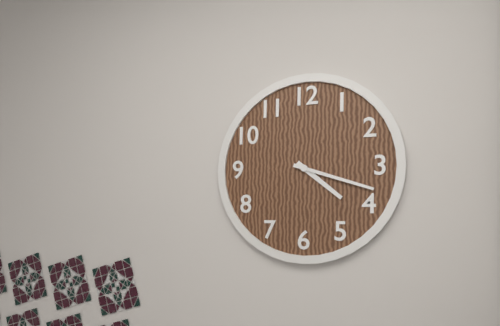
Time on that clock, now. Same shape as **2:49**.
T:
**4:18**
